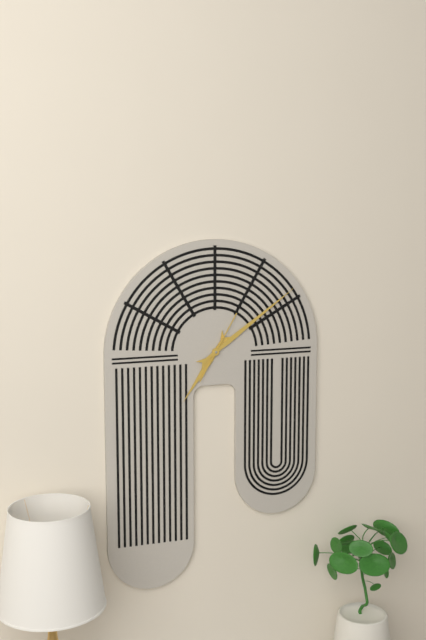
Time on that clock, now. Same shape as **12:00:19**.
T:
**7:09:05**
